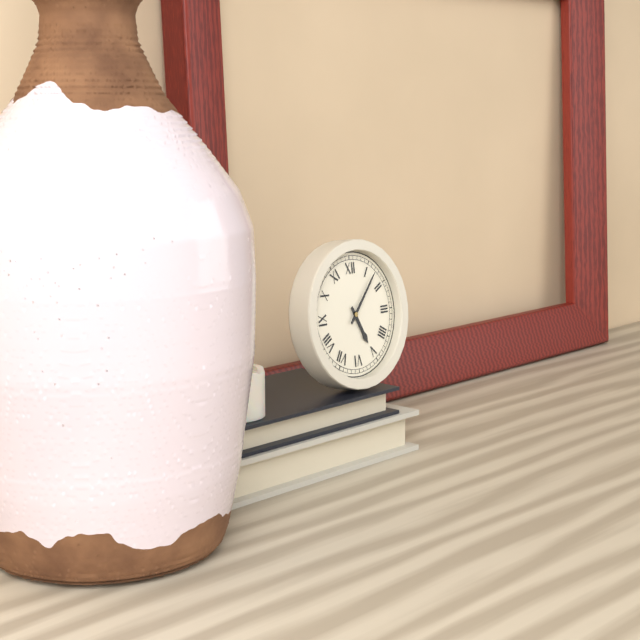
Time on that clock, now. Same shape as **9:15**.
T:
**5:07**
